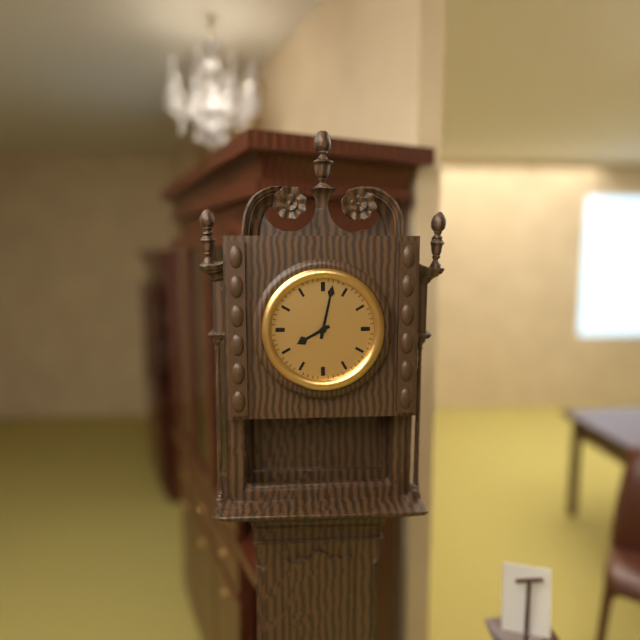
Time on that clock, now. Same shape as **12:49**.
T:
**8:02**
